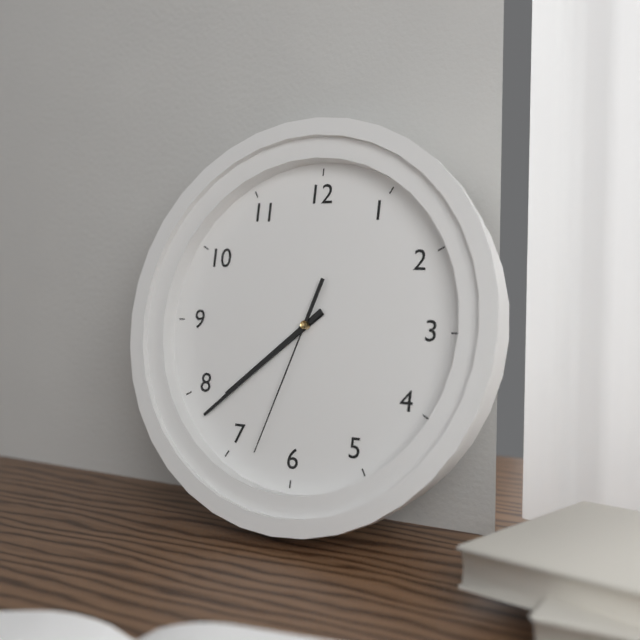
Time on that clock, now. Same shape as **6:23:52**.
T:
**7:38:33**
